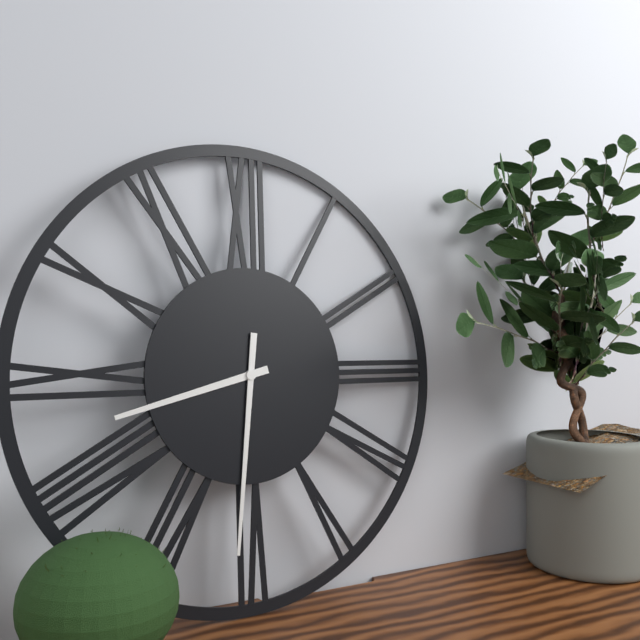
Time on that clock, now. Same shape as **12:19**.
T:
**8:31**
